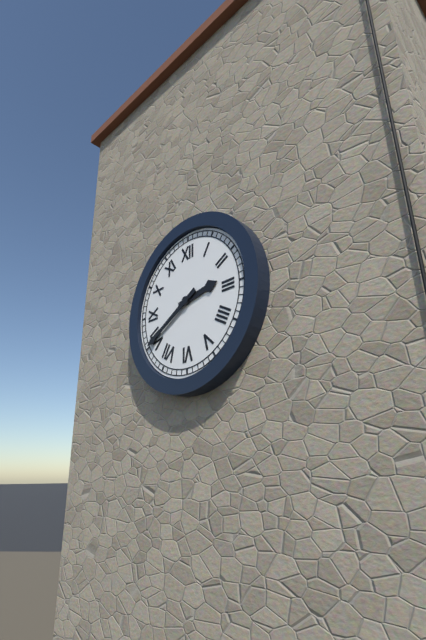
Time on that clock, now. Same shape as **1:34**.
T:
**2:40**
